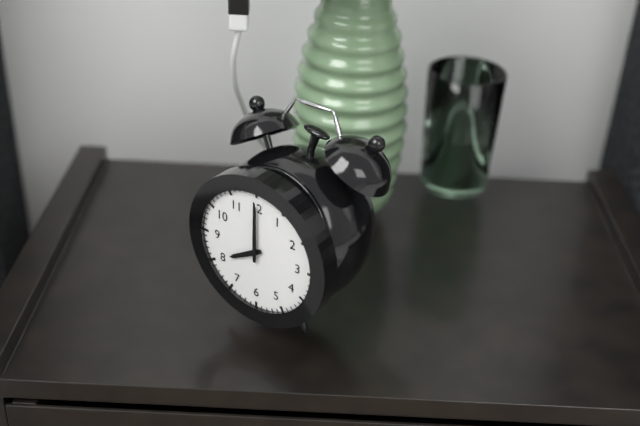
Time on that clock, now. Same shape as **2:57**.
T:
**8:00**
